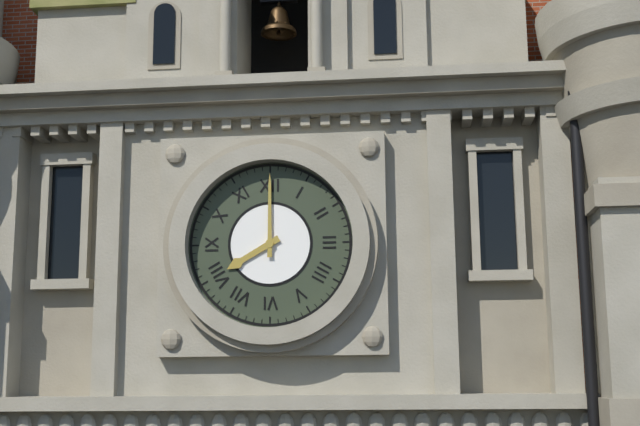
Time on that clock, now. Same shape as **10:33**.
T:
**8:00**
